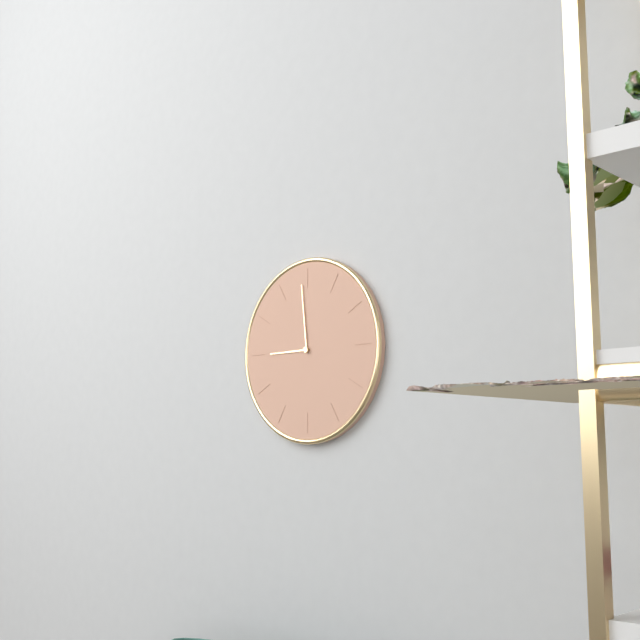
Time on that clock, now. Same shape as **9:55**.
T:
**8:59**
